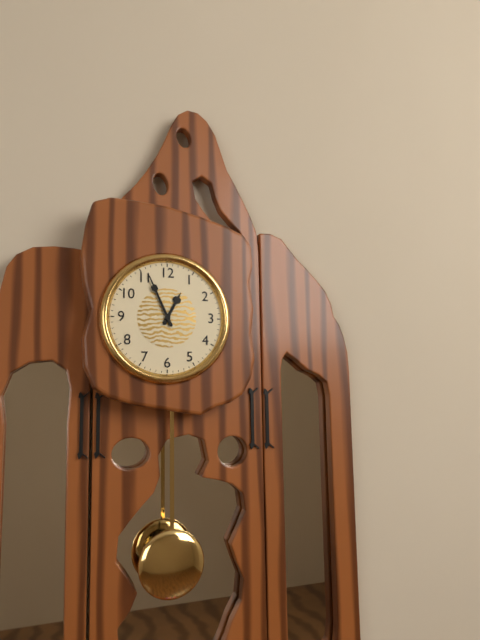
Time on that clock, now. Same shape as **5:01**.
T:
**12:56**
